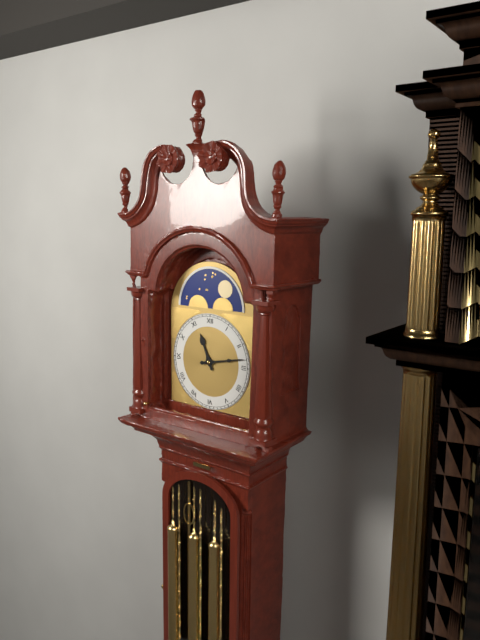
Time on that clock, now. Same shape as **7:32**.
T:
**11:13**
